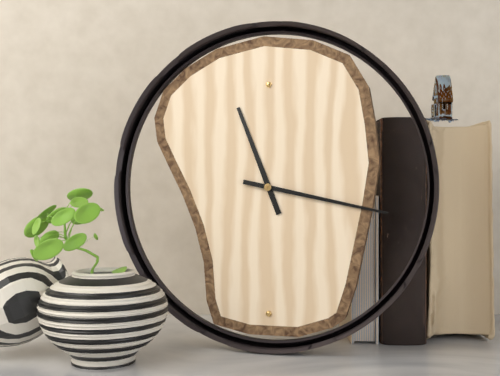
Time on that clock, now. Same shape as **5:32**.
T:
**11:17**
